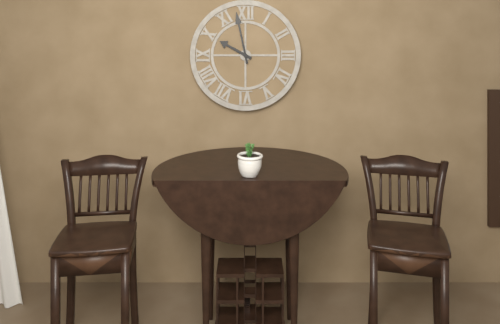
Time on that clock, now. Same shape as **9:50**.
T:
**9:58**
